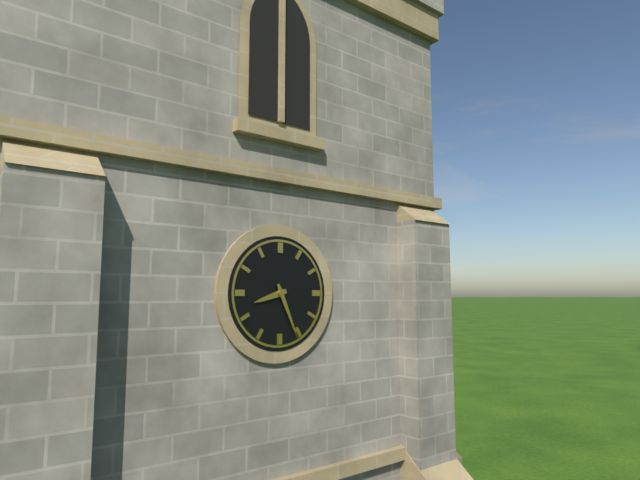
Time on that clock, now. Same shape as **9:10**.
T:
**8:26**
